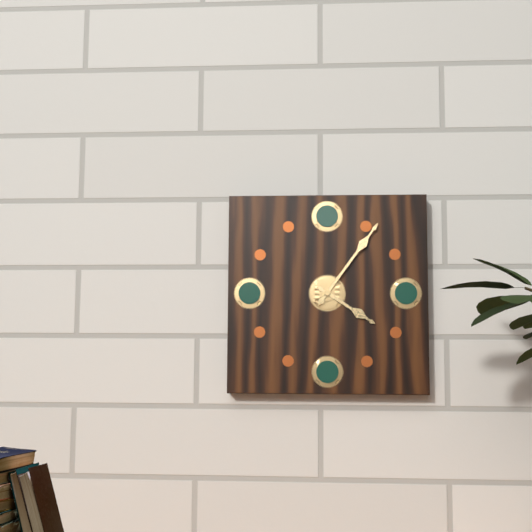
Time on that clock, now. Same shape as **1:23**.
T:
**4:06**
